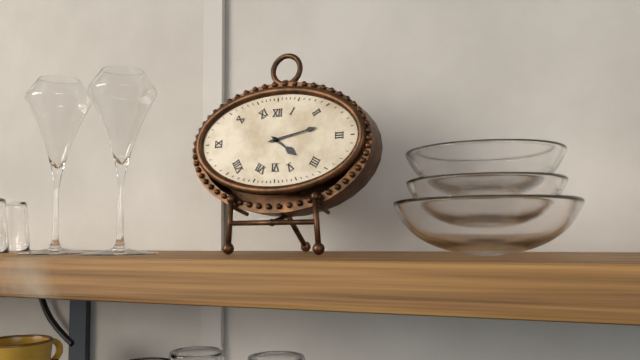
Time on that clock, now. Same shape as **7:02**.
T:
**4:13**
